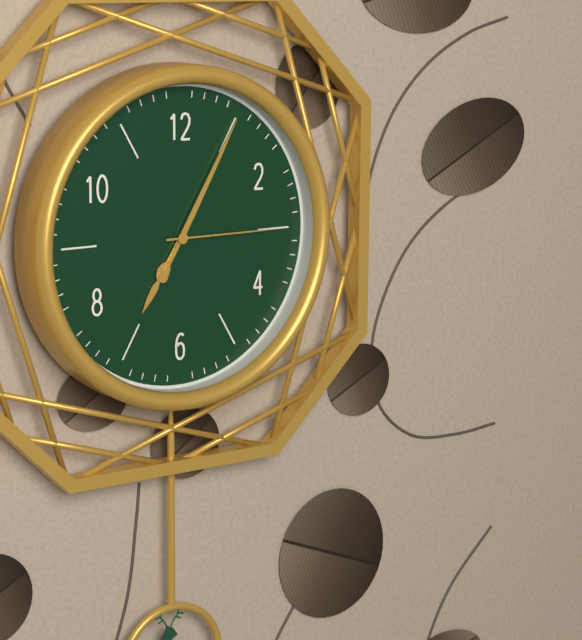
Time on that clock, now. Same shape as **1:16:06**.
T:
**7:05:15**
